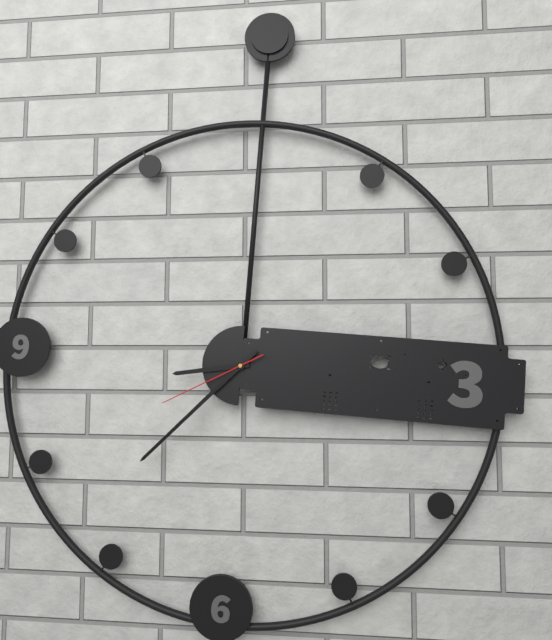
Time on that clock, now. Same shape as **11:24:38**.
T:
**8:37:40**
